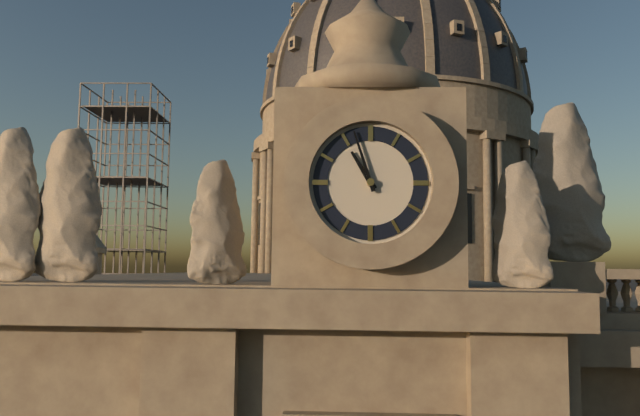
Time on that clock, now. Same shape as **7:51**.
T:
**10:57**
